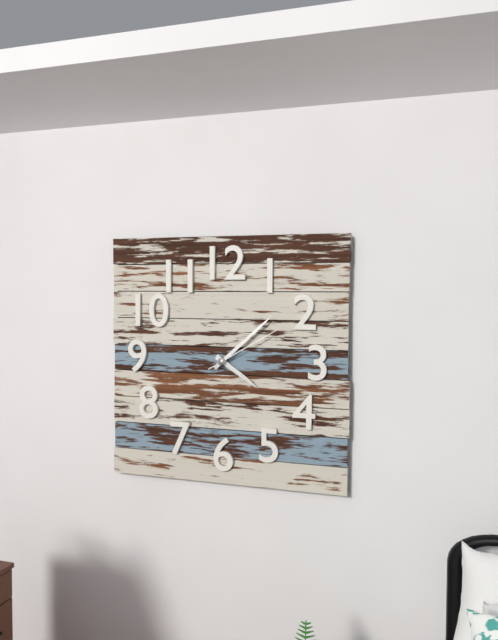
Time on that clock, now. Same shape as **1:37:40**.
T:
**4:08:10**
